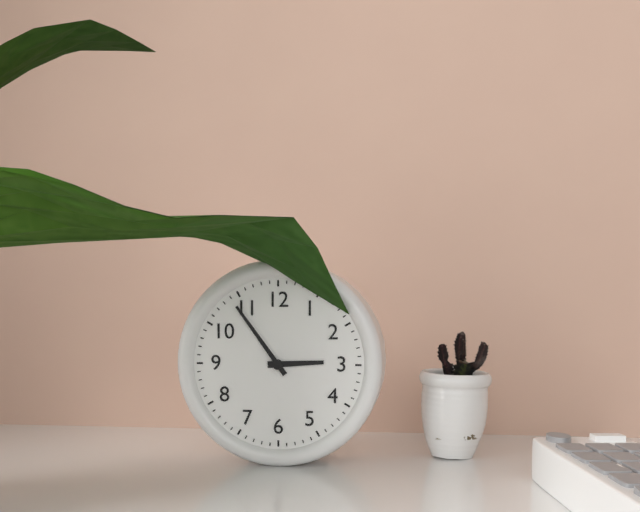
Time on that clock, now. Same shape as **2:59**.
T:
**2:54**
